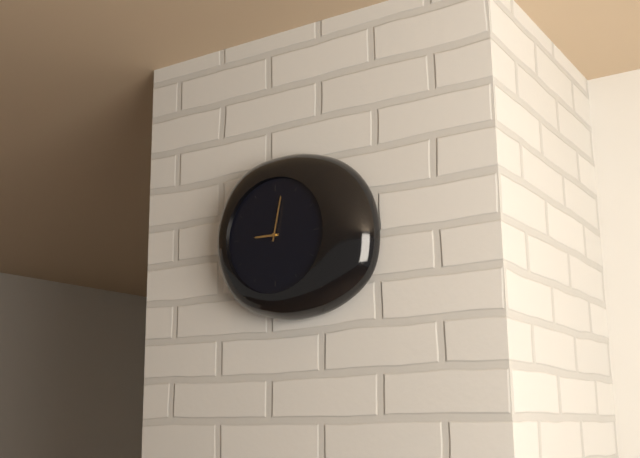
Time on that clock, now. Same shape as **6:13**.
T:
**9:02**
